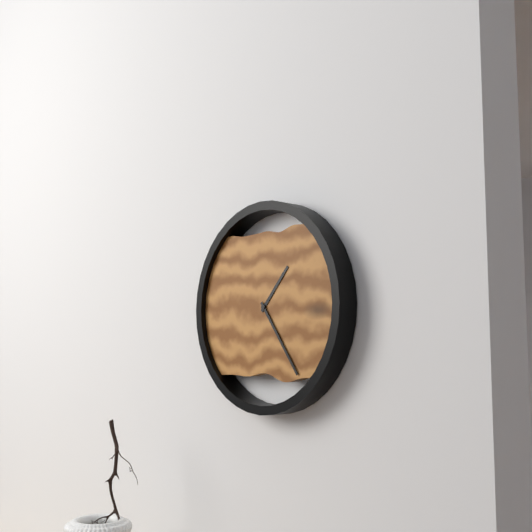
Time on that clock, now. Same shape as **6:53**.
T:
**1:24**
